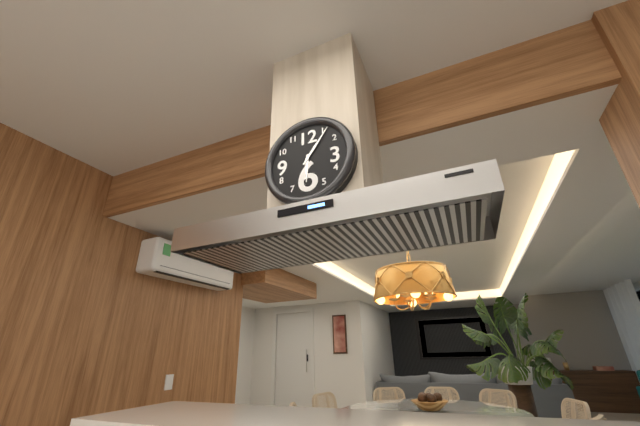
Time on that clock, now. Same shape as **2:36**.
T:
**6:06**
